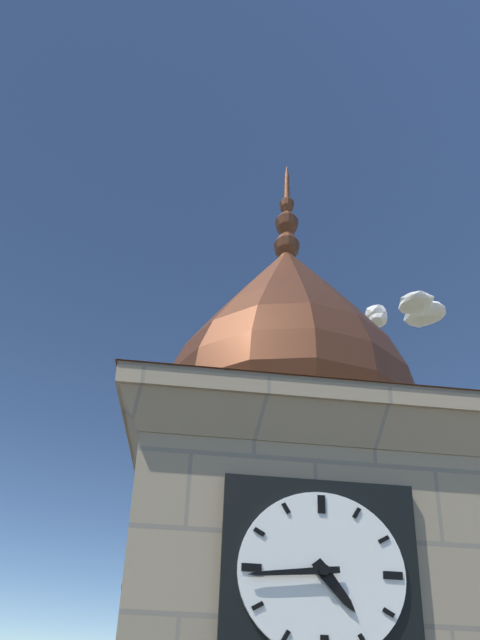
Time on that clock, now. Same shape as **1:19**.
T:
**4:44**
